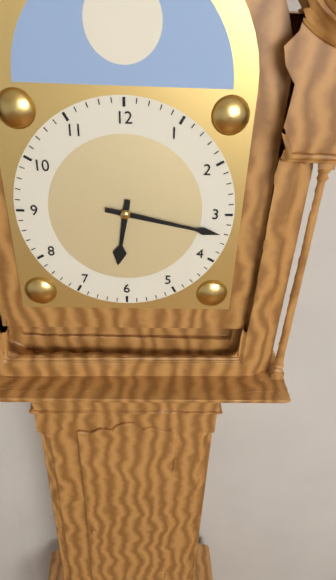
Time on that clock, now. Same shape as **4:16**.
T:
**6:17**
